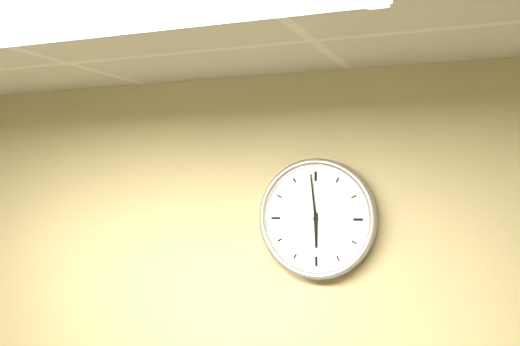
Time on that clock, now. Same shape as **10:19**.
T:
**5:59**
